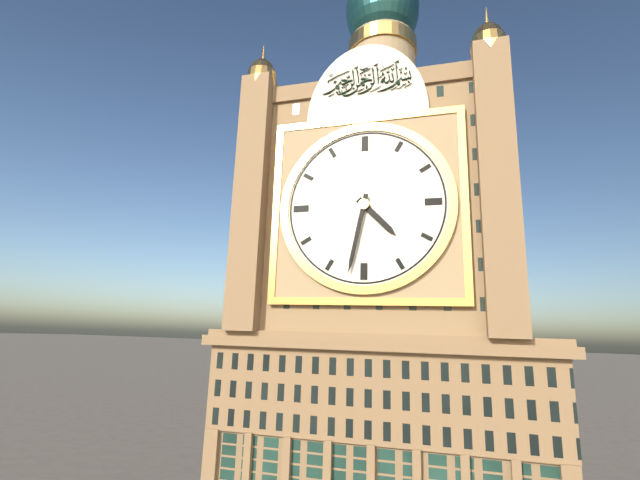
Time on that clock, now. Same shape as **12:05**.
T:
**4:32**
